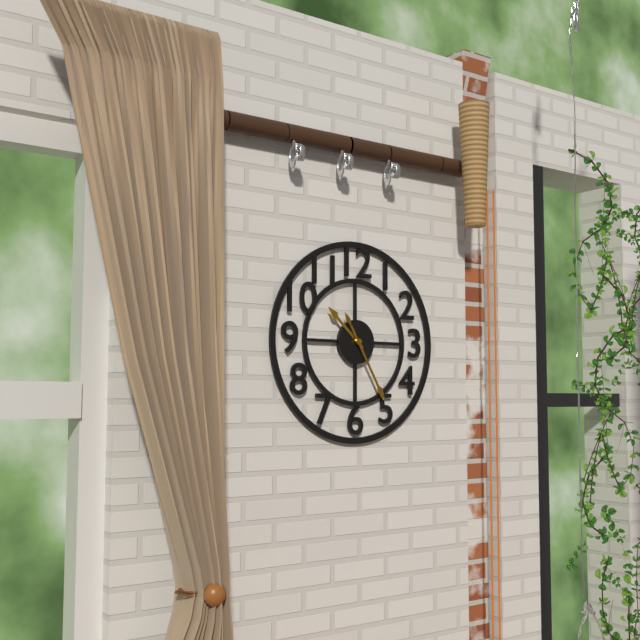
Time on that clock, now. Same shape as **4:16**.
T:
**10:25**
